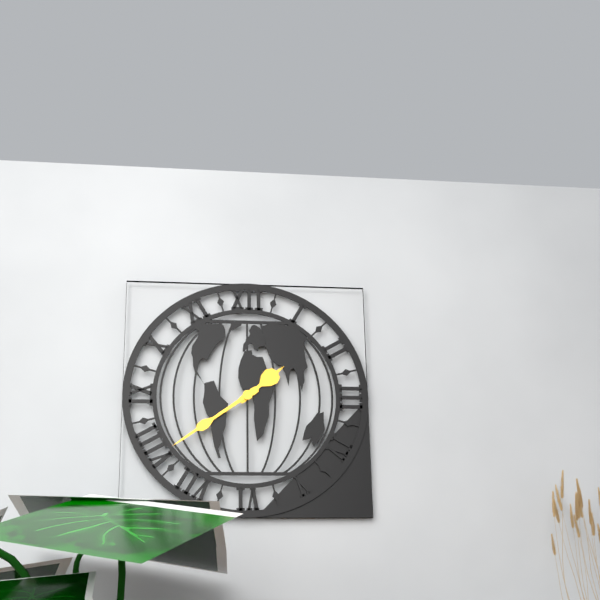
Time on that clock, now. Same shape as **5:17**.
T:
**1:39**
